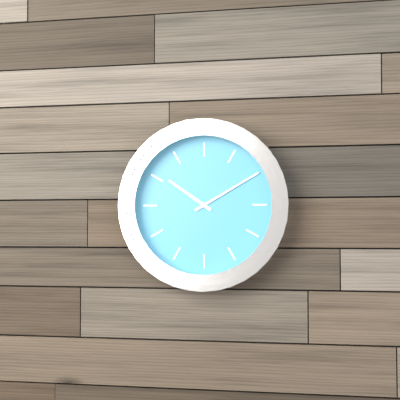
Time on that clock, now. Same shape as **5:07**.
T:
**10:10**
